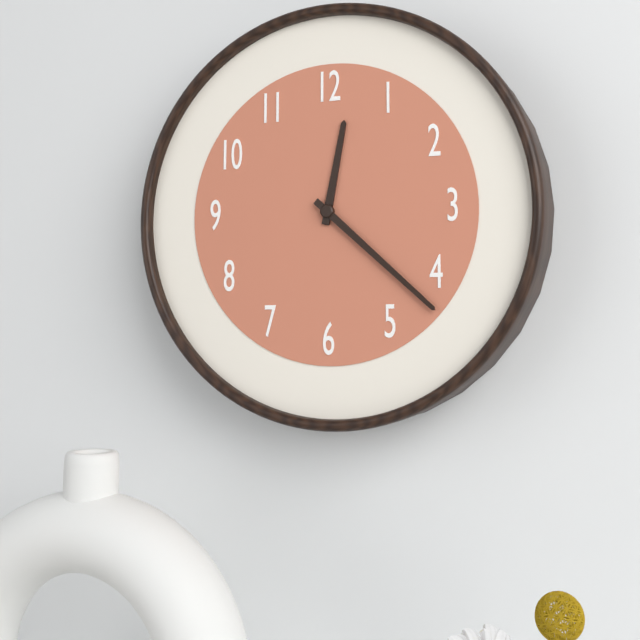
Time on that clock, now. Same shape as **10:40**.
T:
**12:22**
